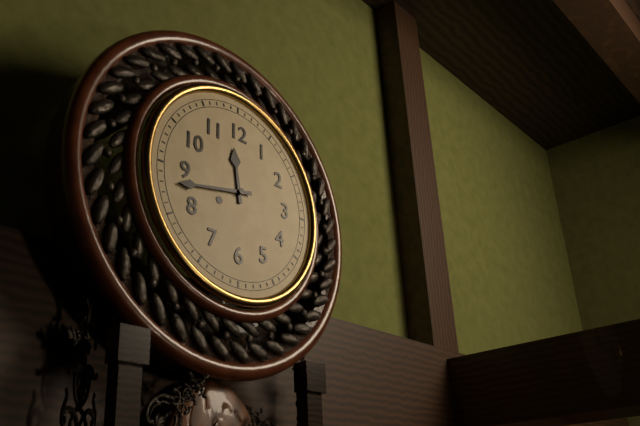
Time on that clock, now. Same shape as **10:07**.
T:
**11:43**
